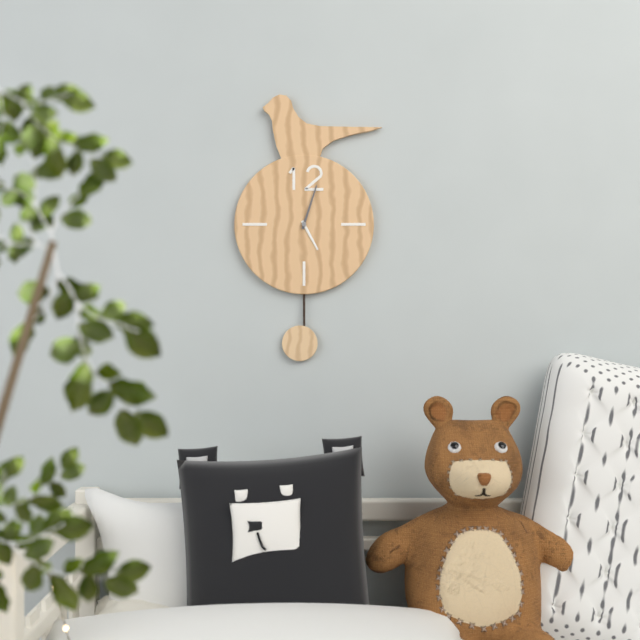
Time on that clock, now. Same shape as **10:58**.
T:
**5:03**
